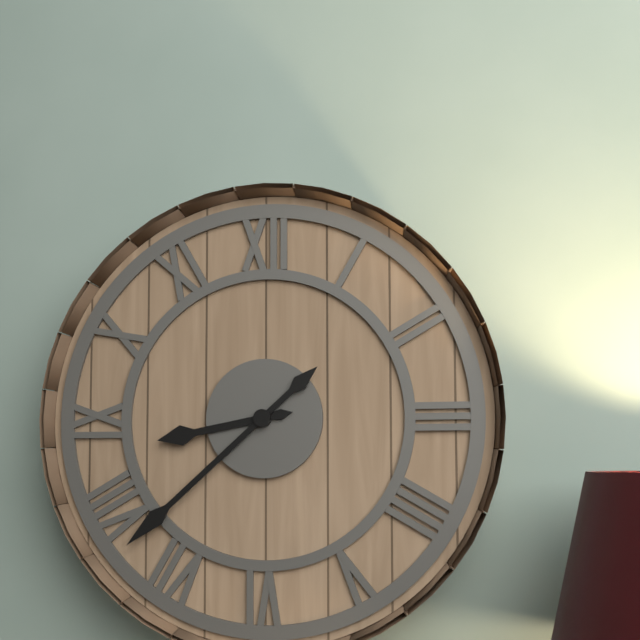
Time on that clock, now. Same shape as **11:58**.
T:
**8:38**
